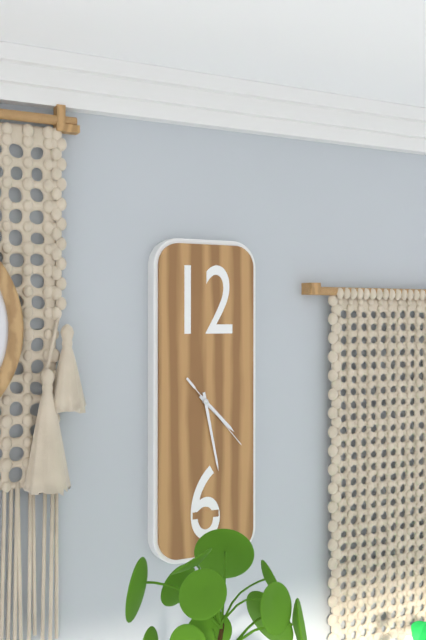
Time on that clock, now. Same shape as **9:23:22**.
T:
**4:28:23**
